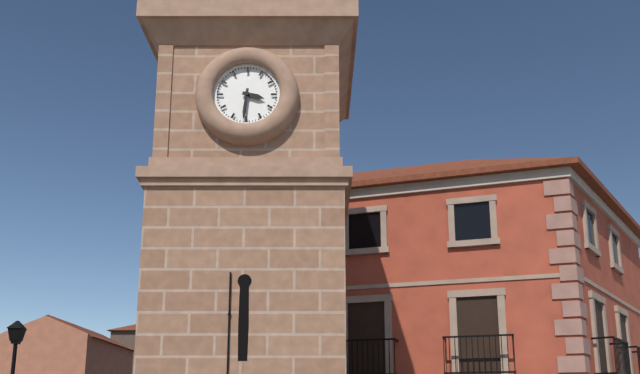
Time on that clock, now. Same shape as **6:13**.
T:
**3:31**
